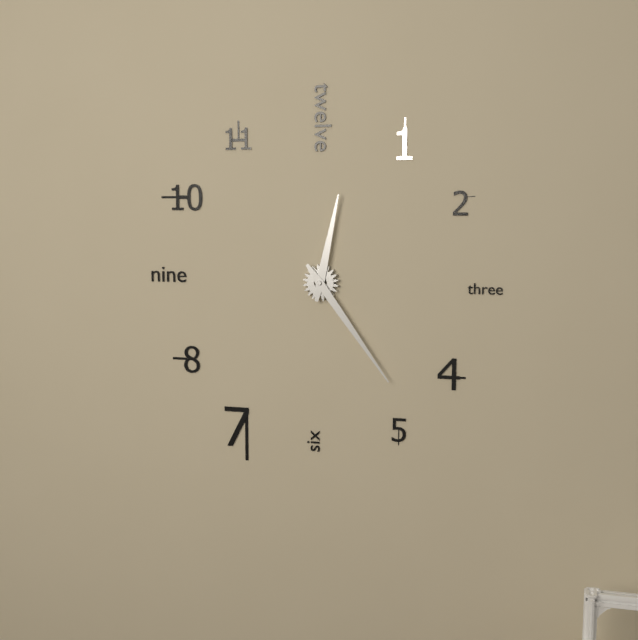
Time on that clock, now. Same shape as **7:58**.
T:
**12:24**
